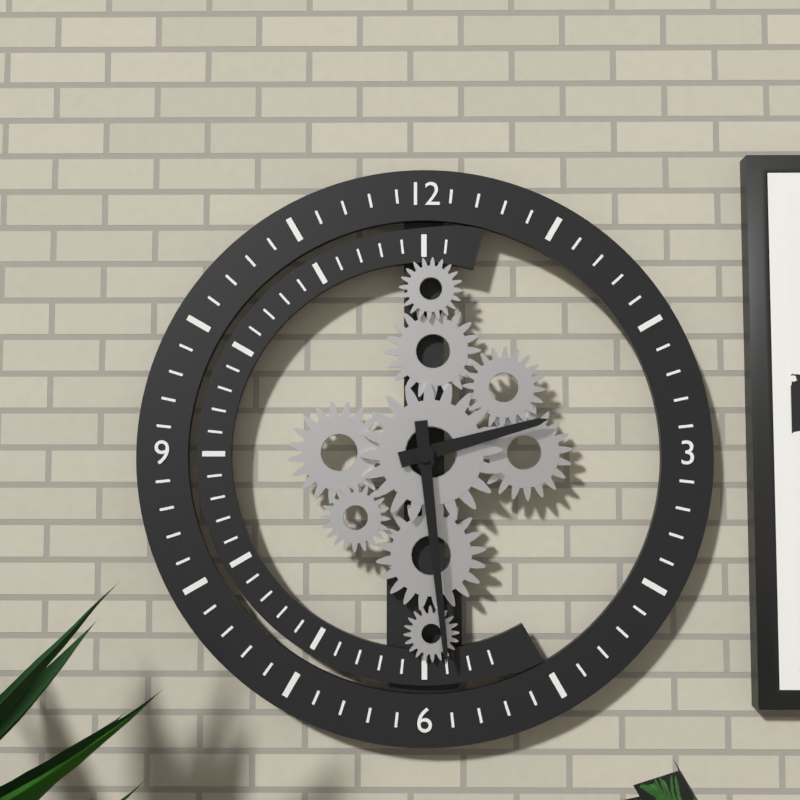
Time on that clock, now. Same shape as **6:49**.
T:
**2:29**
